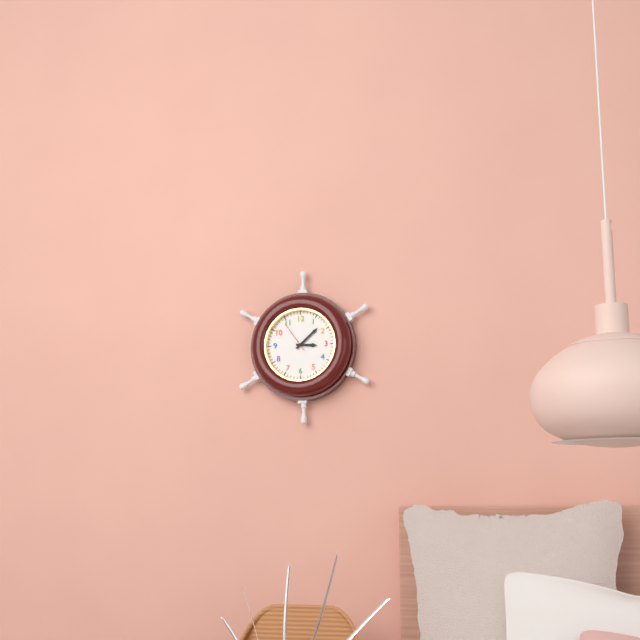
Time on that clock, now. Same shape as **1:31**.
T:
**3:08**
